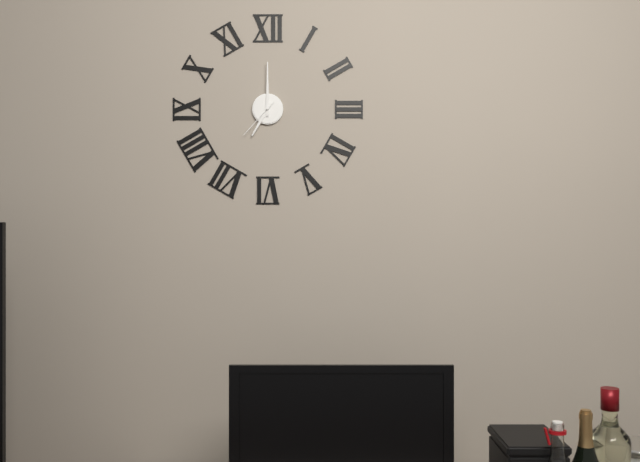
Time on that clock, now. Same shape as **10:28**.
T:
**7:00**
